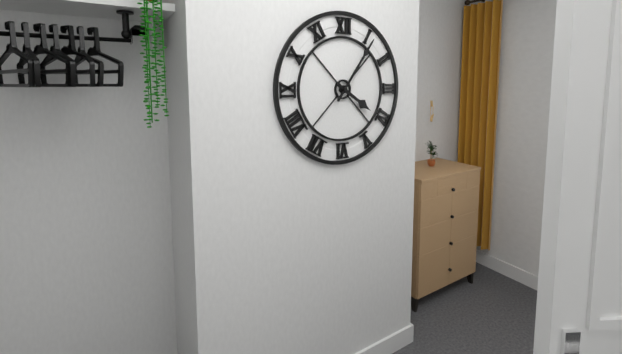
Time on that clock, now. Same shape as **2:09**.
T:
**4:06**
